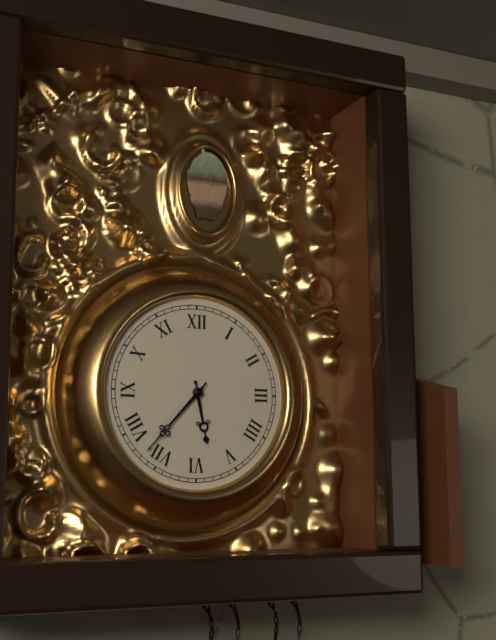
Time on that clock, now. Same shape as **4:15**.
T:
**5:37**
